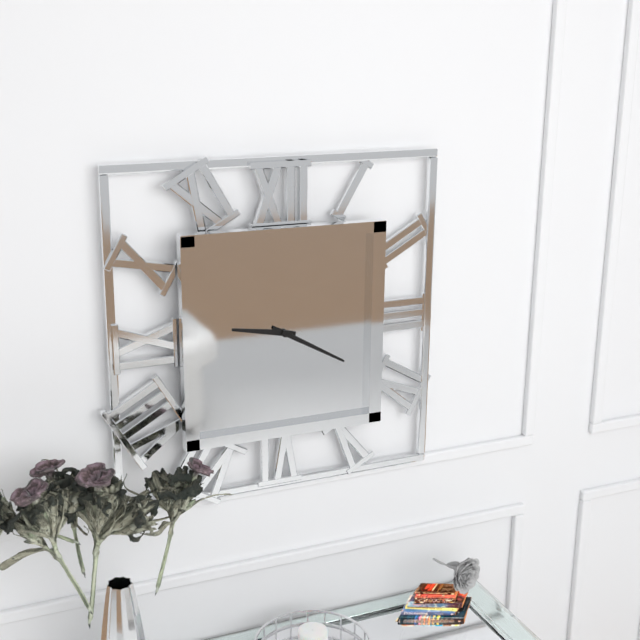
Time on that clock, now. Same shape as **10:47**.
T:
**9:20**
